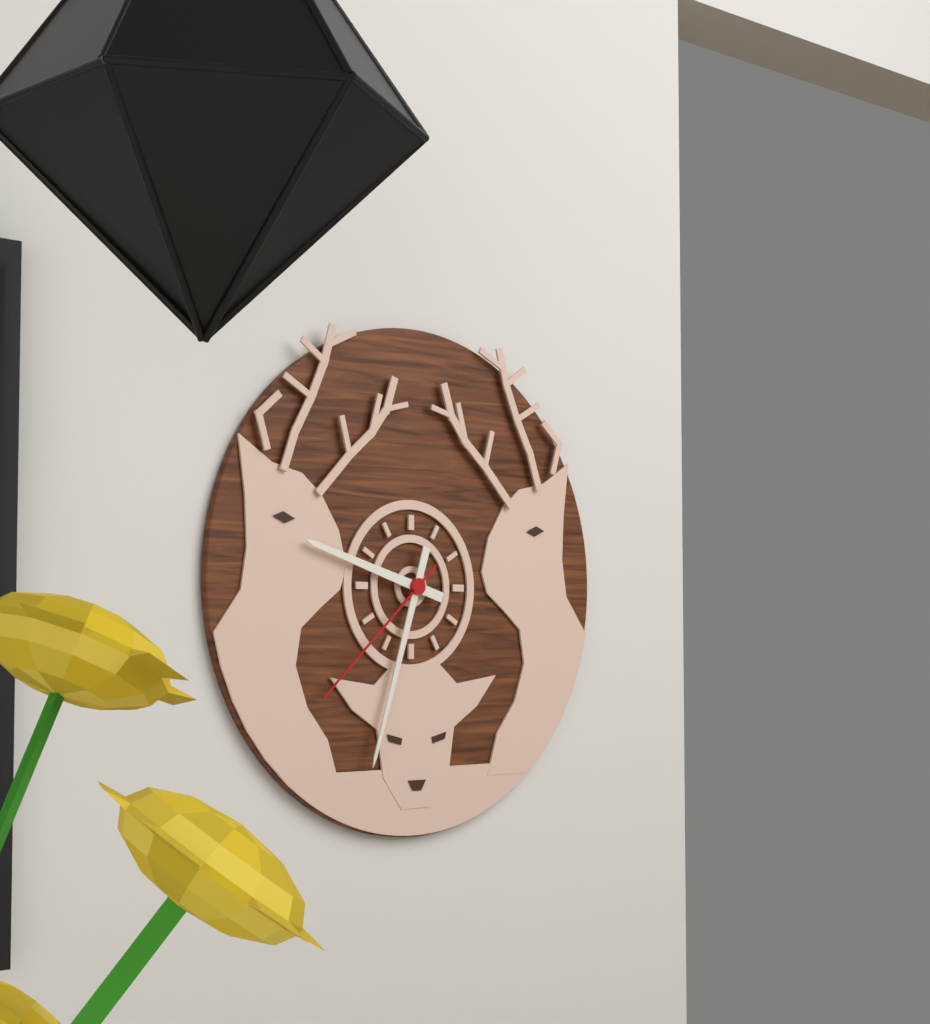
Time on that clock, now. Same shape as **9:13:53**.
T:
**9:33:38**
